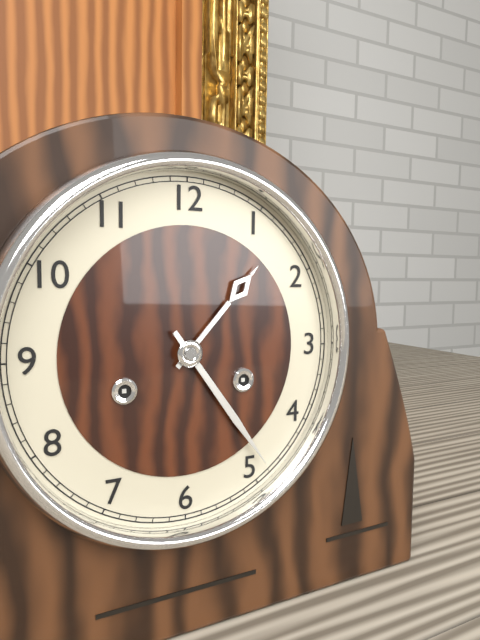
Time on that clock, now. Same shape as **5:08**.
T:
**1:24**
